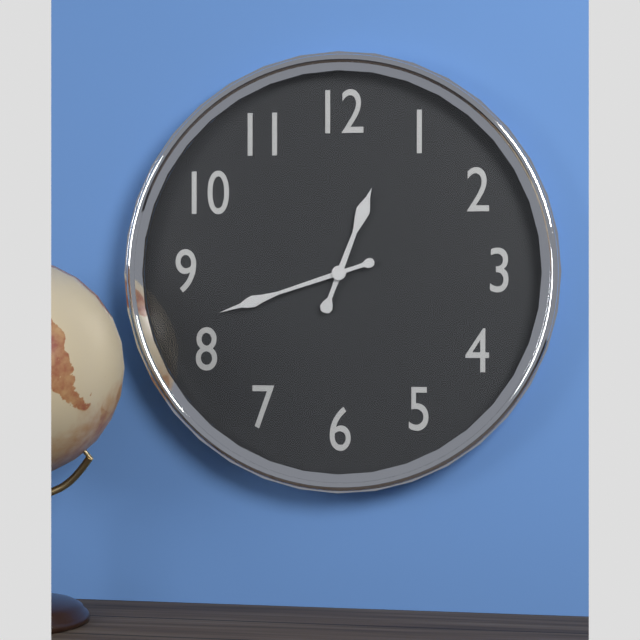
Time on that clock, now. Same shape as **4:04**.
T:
**12:42**
